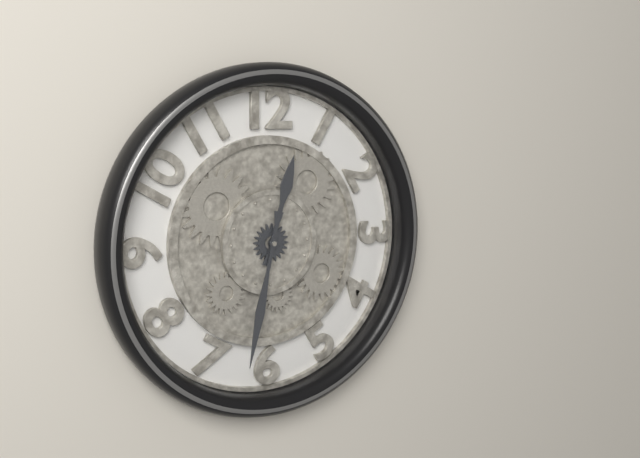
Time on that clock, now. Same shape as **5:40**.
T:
**12:32**
